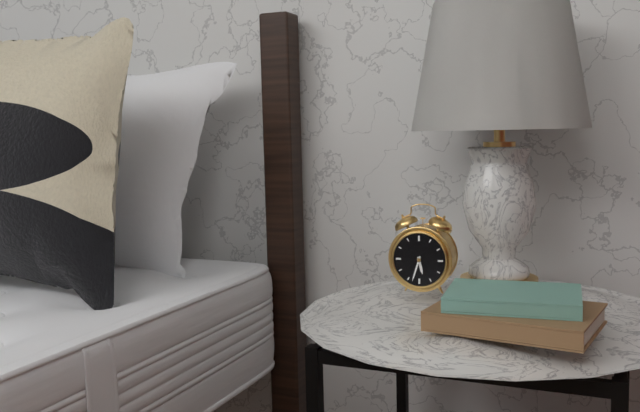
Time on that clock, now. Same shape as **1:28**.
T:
**5:33**
